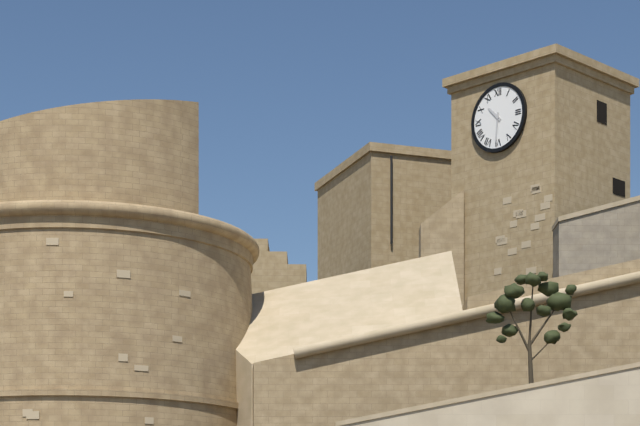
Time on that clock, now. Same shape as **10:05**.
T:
**10:31**
